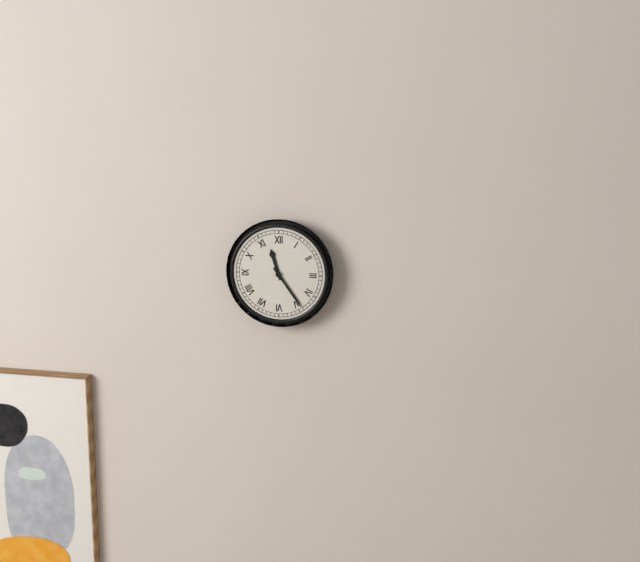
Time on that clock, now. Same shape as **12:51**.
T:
**11:24**
